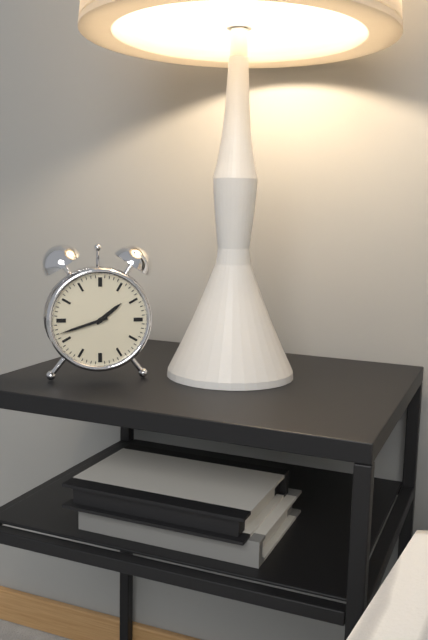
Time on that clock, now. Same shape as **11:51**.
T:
**1:42**
